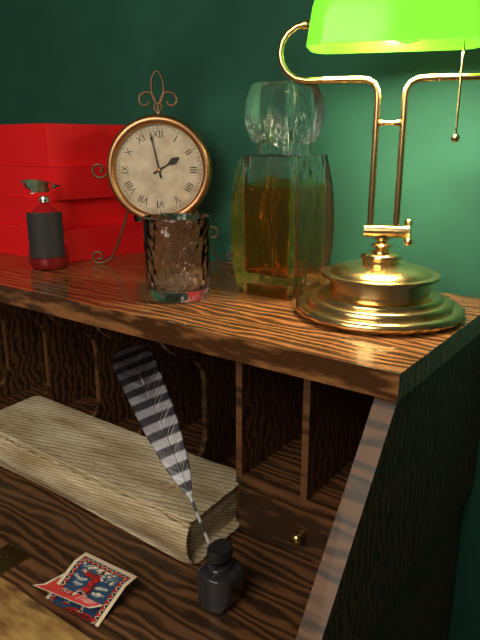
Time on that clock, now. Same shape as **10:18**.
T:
**1:58**
